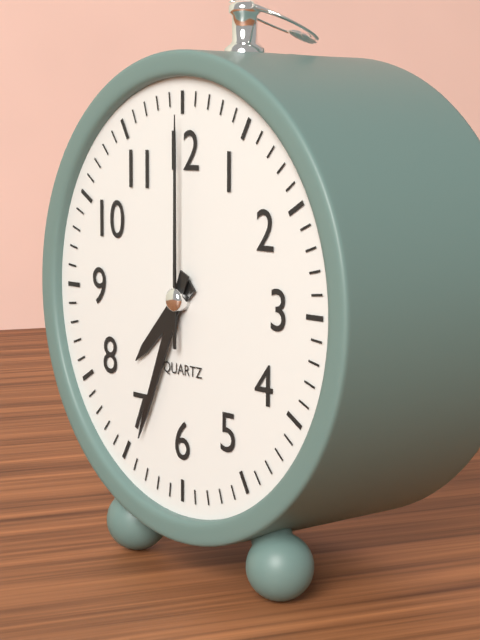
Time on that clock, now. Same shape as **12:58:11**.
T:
**7:34:00**
